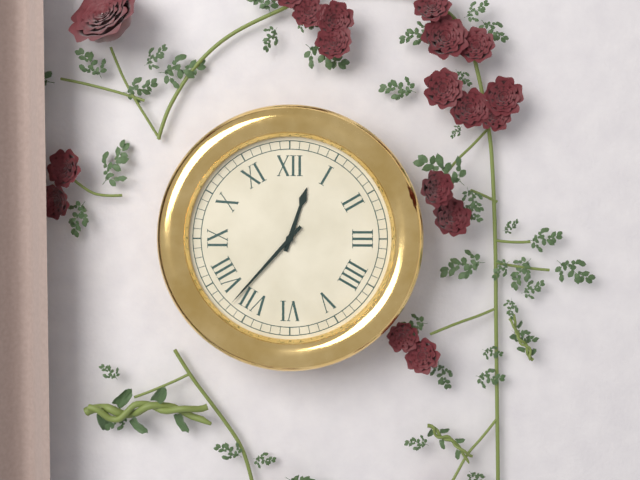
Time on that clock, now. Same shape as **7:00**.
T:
**12:37**
